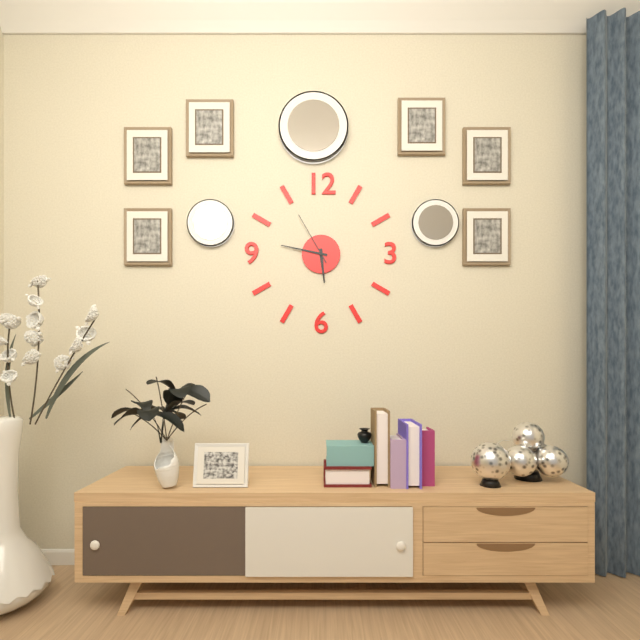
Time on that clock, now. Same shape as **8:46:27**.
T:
**5:47:55**
